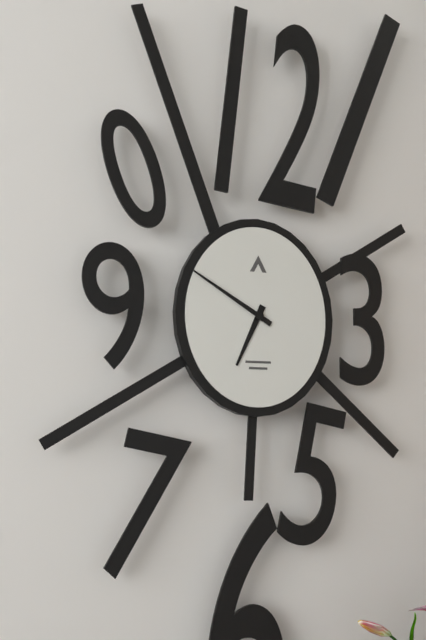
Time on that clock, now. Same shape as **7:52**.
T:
**6:50**
